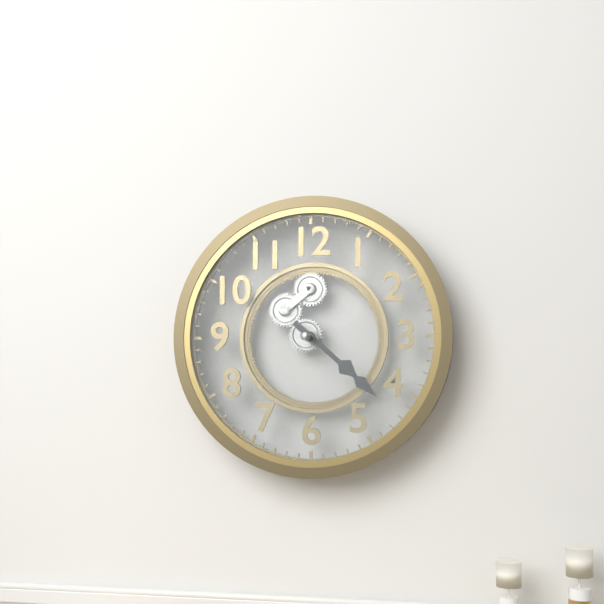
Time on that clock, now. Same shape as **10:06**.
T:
**4:22**
